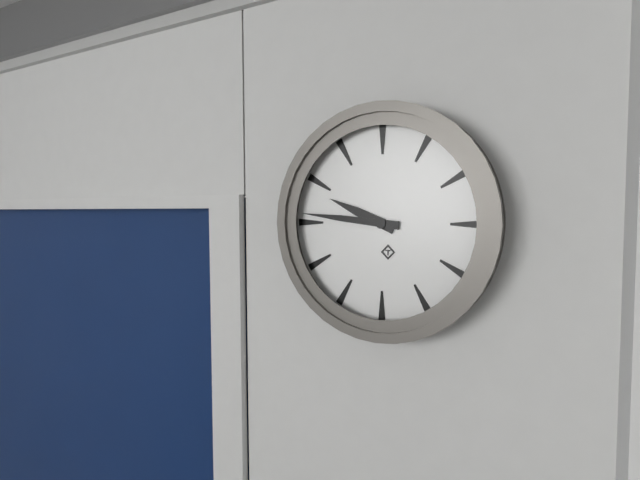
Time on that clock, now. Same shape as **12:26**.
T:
**9:46**
